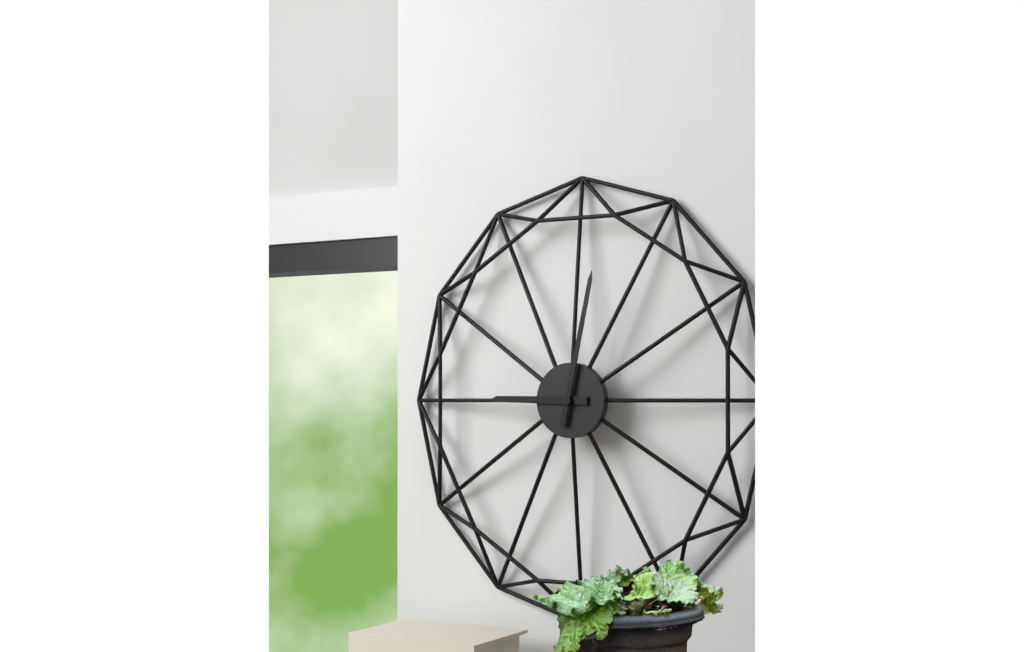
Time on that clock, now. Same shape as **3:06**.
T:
**9:02**
